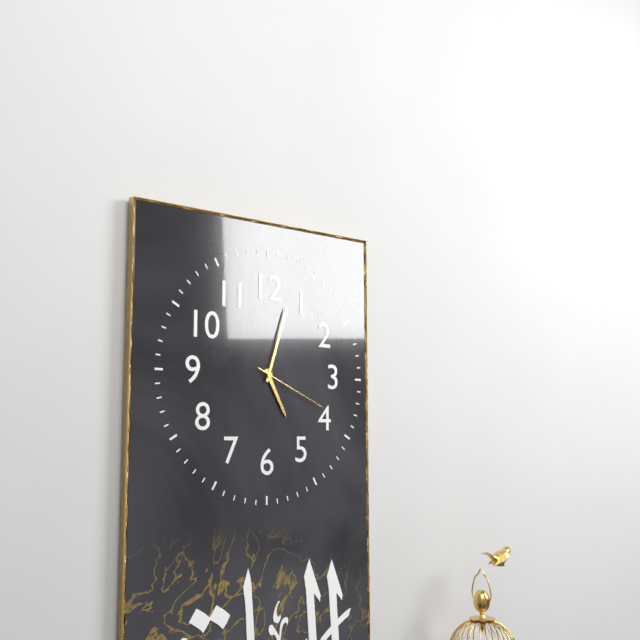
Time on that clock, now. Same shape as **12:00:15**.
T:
**5:03:19**
